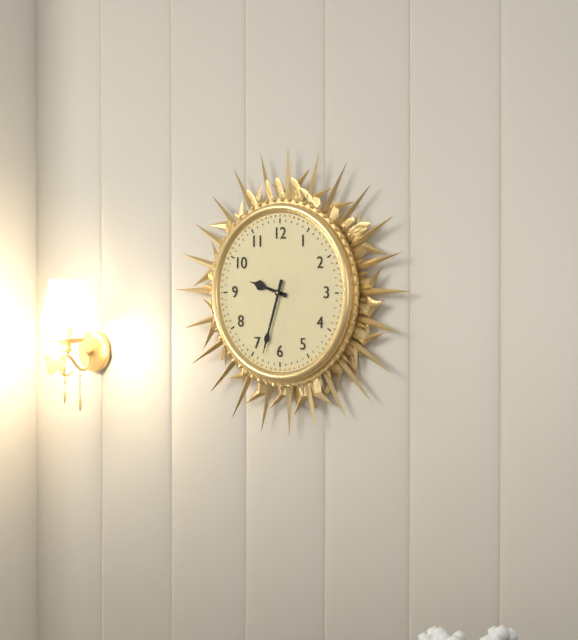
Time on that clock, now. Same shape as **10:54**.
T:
**9:33**
